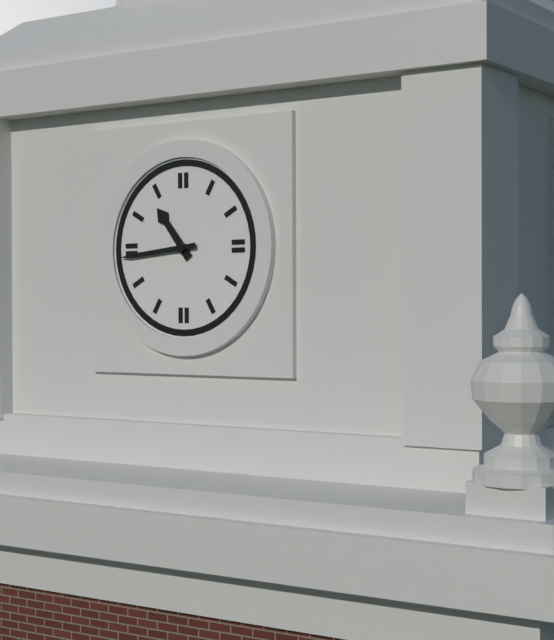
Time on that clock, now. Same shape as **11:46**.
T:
**10:44**
